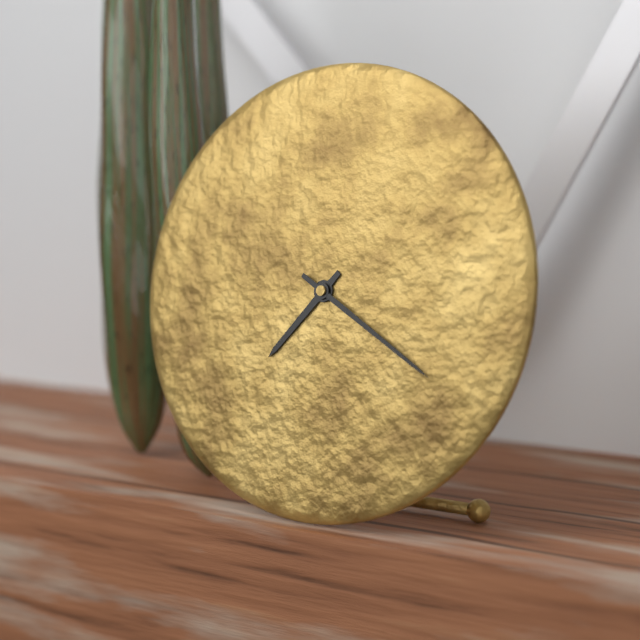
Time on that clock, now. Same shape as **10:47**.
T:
**7:20**
